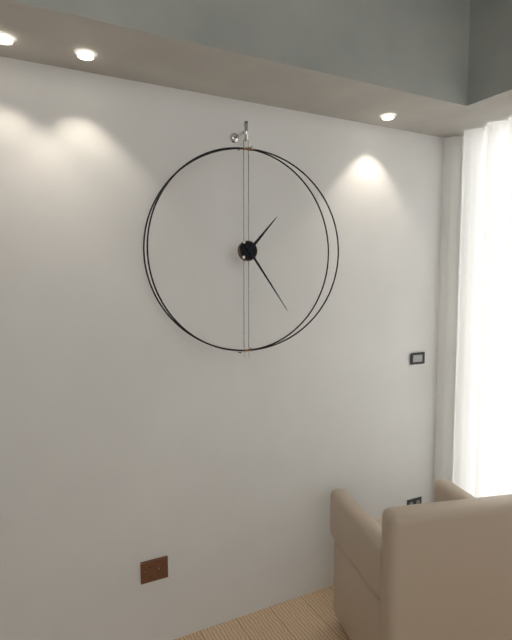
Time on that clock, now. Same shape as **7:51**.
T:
**1:24**
